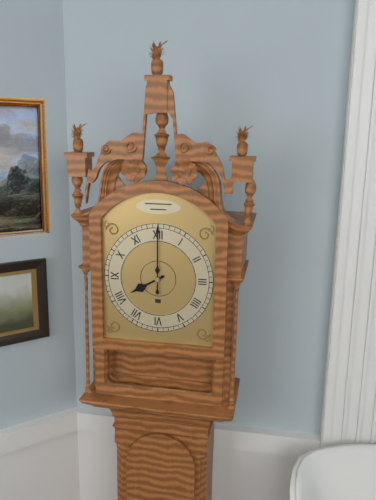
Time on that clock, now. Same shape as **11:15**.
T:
**8:00**
